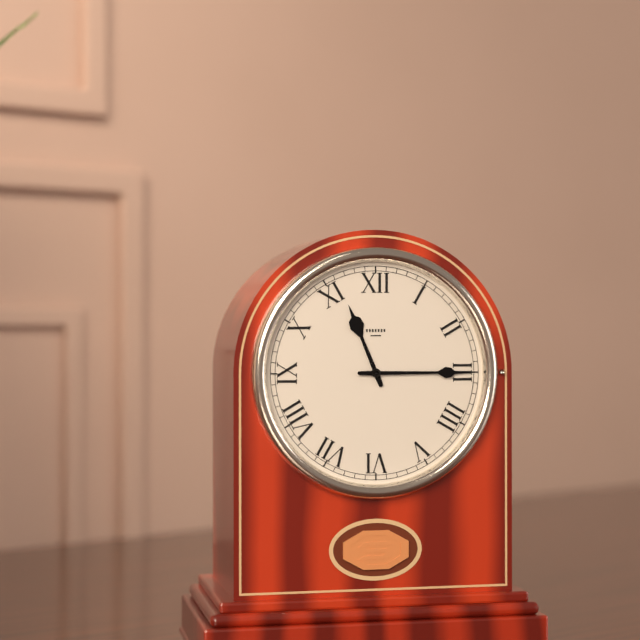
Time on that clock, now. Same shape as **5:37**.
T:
**11:15**
